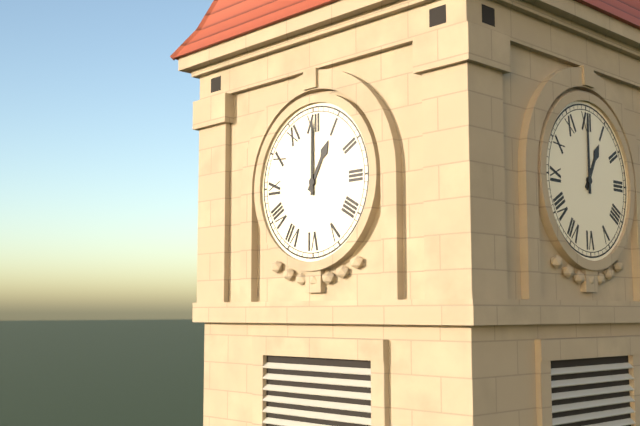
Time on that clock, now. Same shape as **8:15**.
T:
**1:00**
